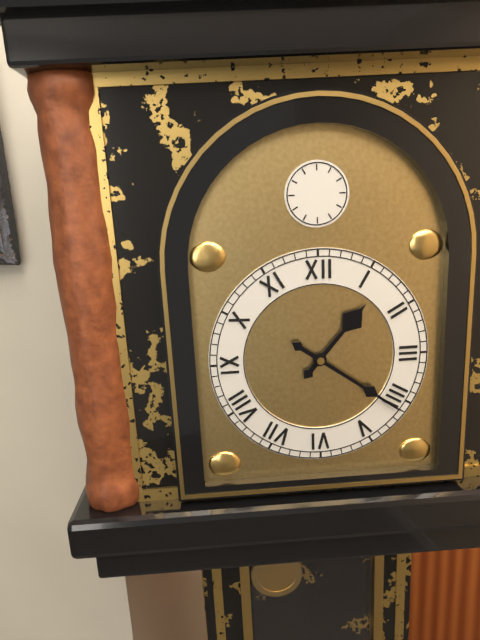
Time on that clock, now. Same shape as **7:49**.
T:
**1:21**
